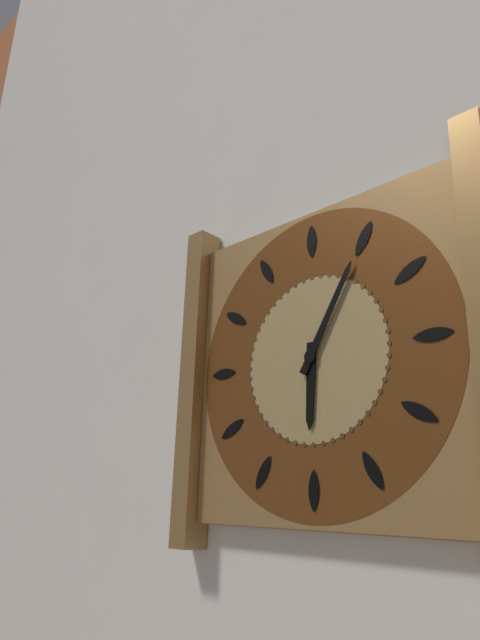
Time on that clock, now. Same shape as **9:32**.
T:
**6:05**
